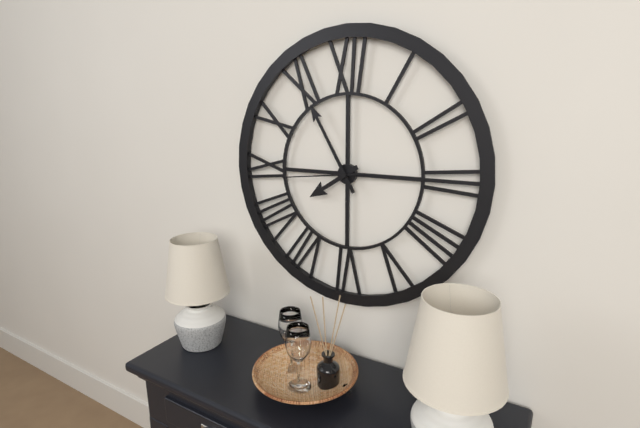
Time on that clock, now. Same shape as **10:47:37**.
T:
**7:55:44**
